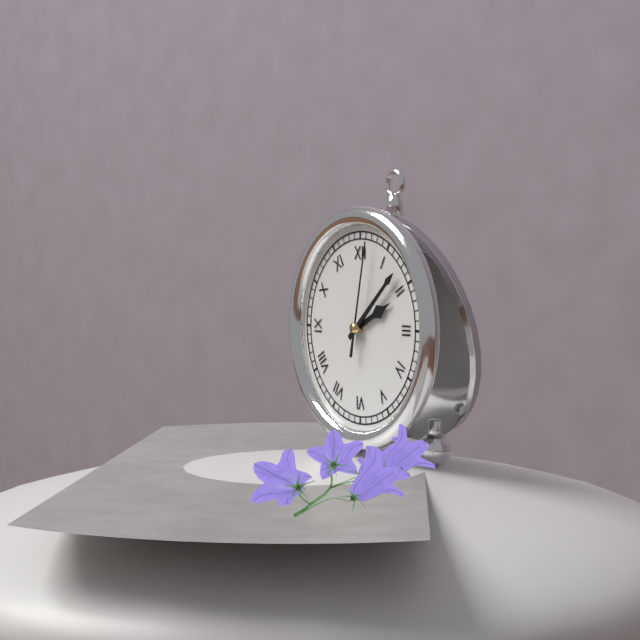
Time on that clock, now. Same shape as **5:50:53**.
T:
**2:08:02**
